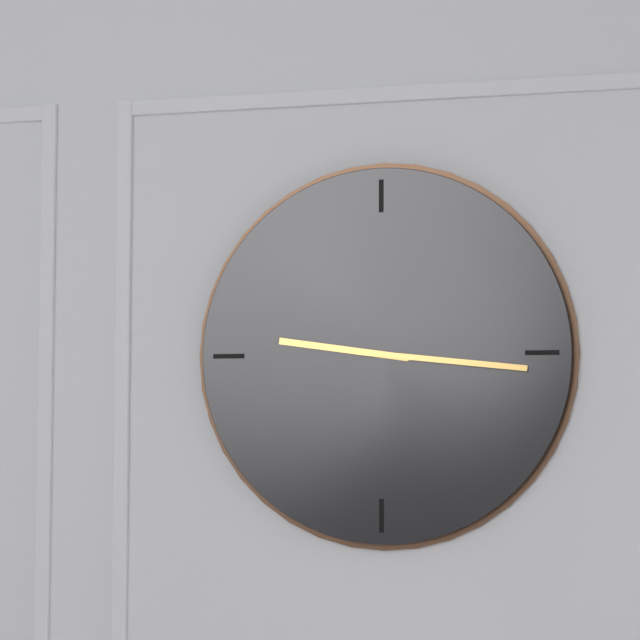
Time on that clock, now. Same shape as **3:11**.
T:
**9:16**
